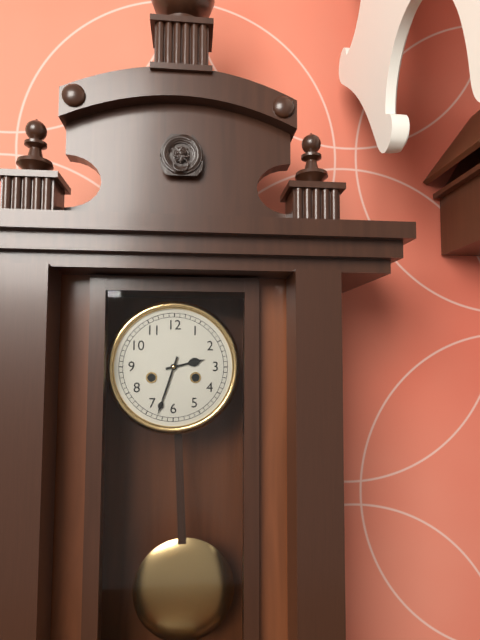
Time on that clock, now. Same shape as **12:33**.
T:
**2:33**
